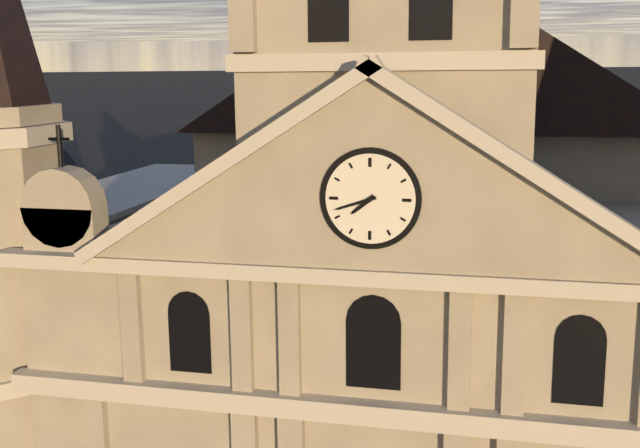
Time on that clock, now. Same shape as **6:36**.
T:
**7:42**
